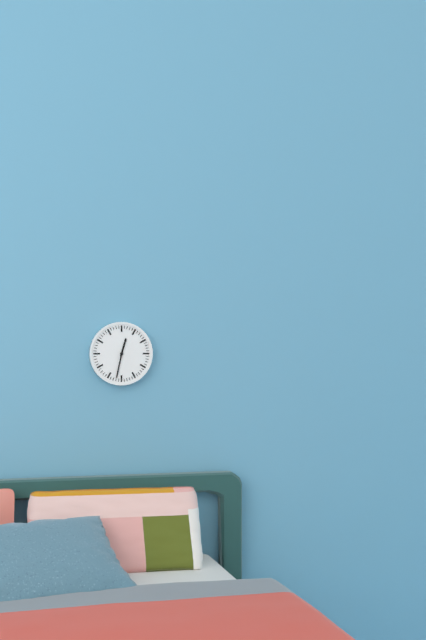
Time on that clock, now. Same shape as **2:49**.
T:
**12:32**
